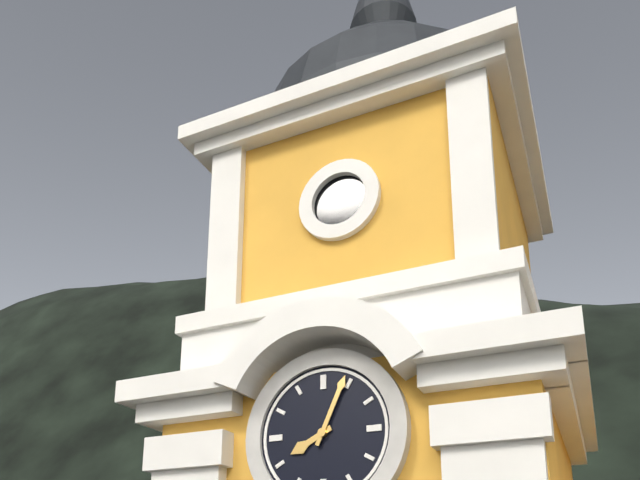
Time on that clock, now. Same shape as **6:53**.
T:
**8:04**
